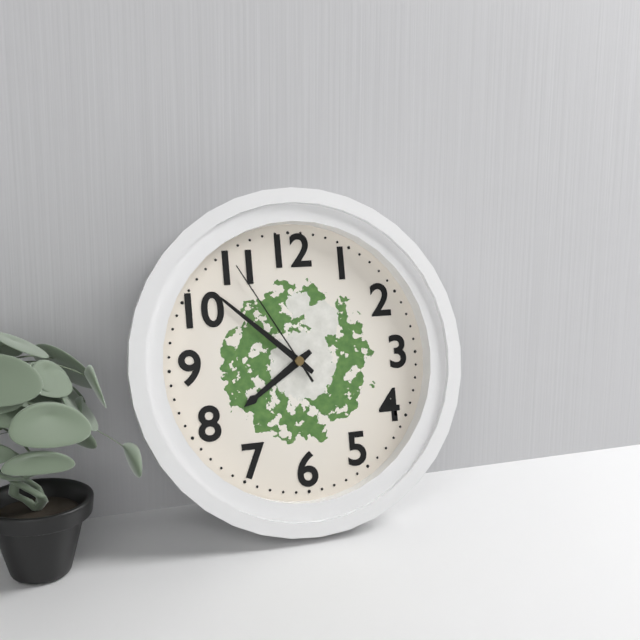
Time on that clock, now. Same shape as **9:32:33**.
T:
**7:52:55**
